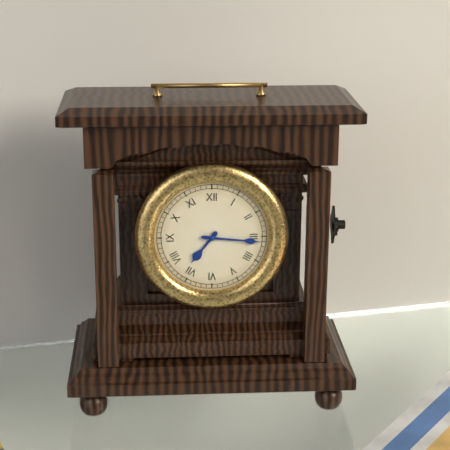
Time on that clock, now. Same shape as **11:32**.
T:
**7:16**
